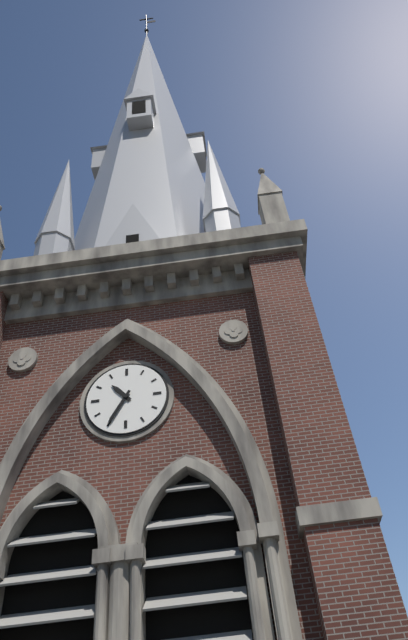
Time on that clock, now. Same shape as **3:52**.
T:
**10:35**
